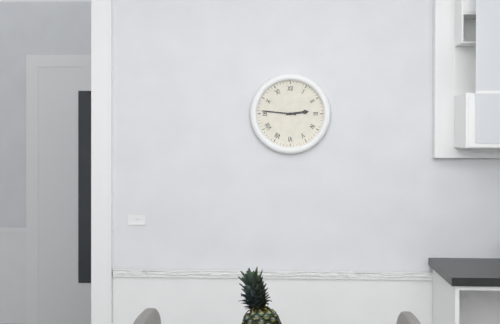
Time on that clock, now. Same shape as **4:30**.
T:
**2:46**
